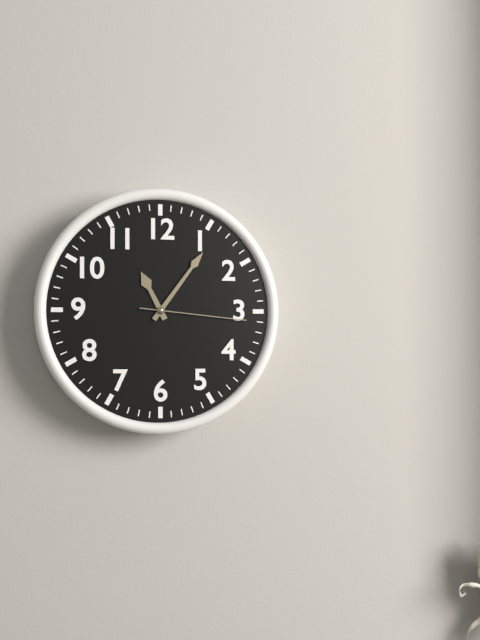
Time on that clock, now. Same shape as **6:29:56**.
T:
**11:06:16**
